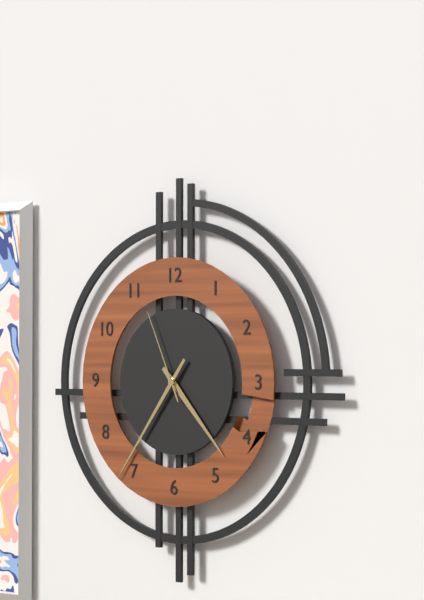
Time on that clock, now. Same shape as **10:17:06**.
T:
**4:36:56**
